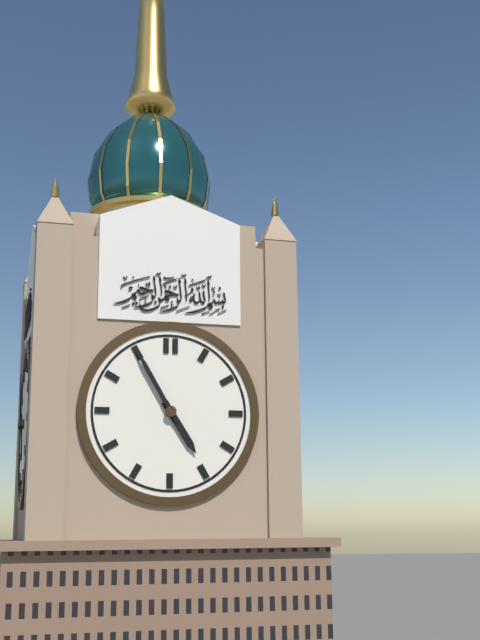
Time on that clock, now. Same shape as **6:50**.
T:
**4:55**
